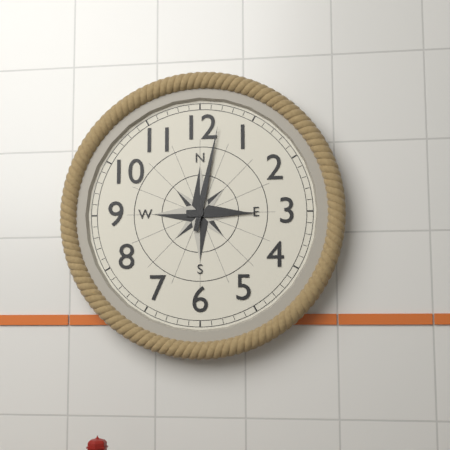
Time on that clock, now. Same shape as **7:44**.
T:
**3:02**
